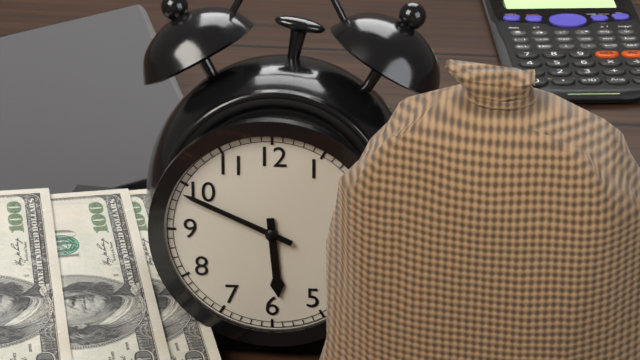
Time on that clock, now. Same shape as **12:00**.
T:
**5:49**
